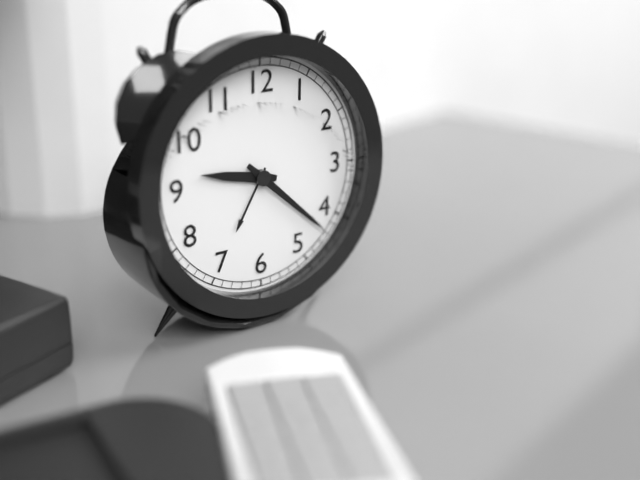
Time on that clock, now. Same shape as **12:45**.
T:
**9:22**
